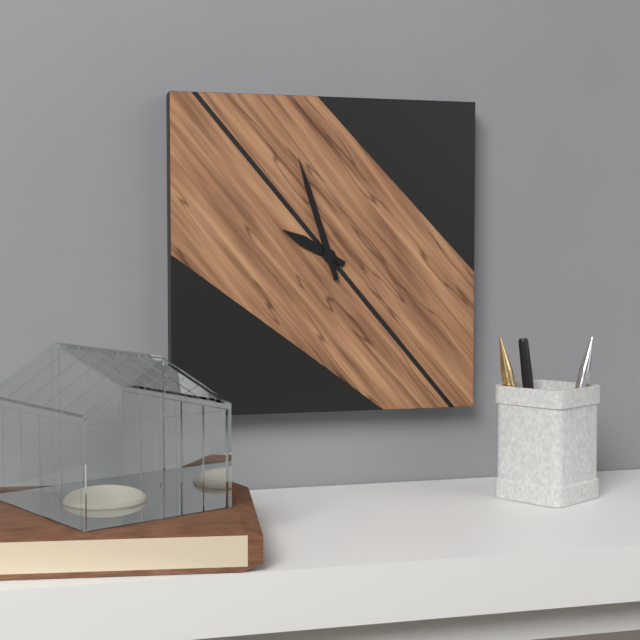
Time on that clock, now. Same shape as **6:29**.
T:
**9:57**
